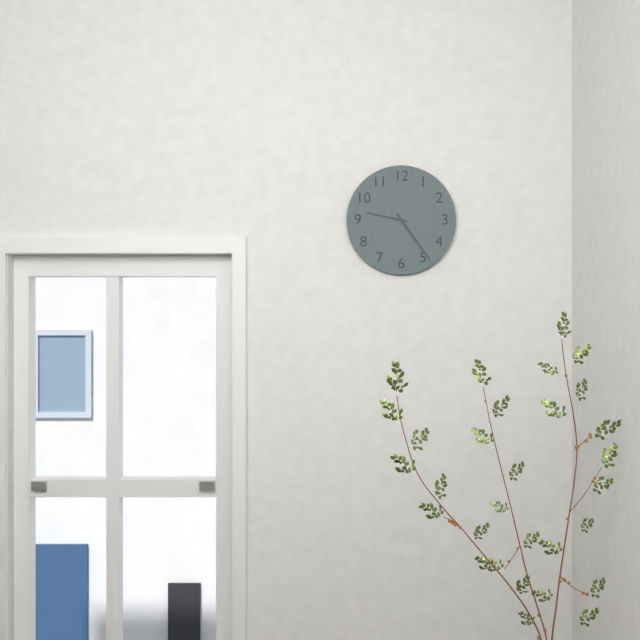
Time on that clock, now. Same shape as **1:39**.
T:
**9:24**
